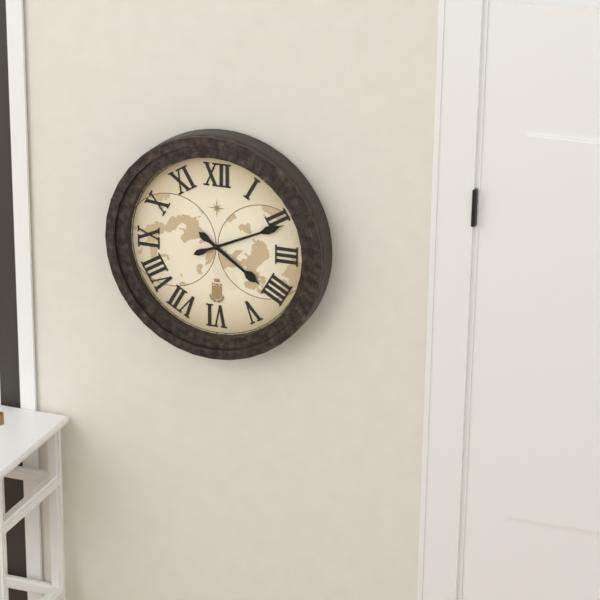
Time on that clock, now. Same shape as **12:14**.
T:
**4:11**
